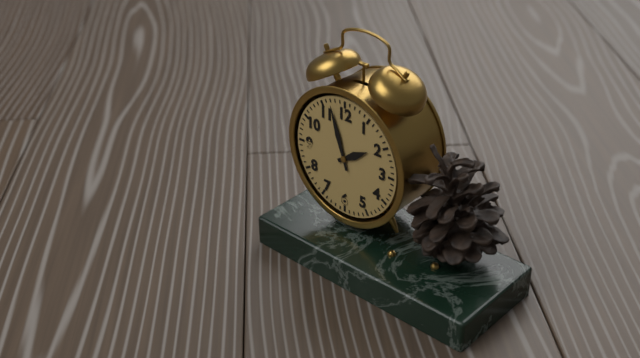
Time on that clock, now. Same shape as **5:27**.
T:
**1:57**
